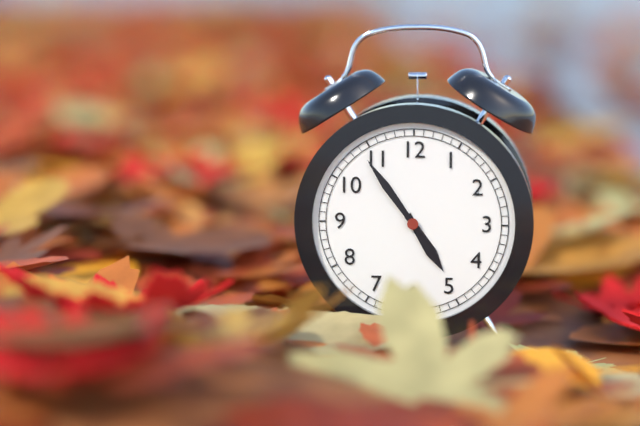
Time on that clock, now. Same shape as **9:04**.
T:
**4:54**
